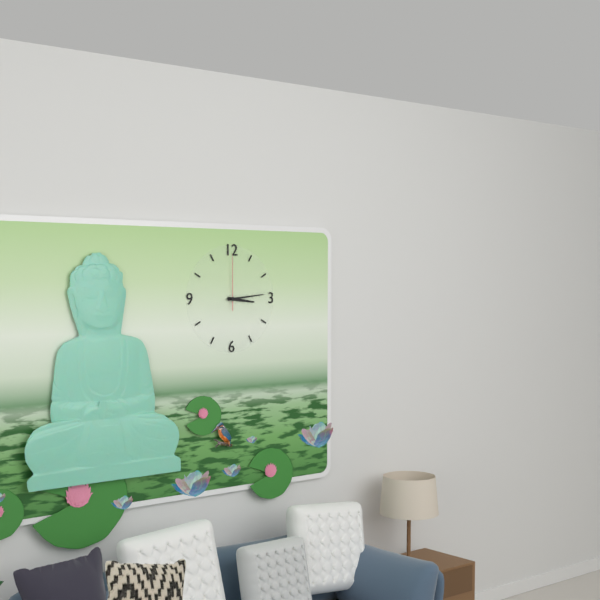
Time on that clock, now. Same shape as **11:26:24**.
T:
**3:14:00**
